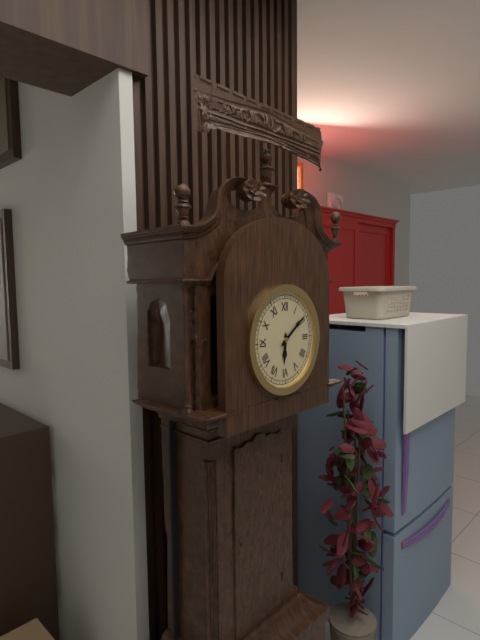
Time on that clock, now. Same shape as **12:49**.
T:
**6:09**
